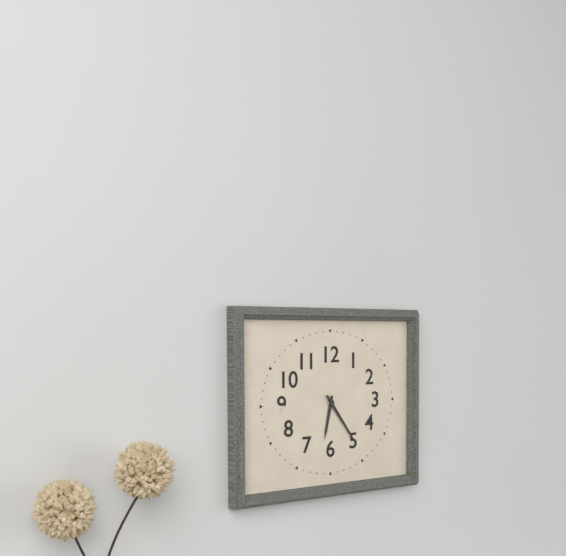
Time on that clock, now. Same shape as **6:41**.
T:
**6:24**
